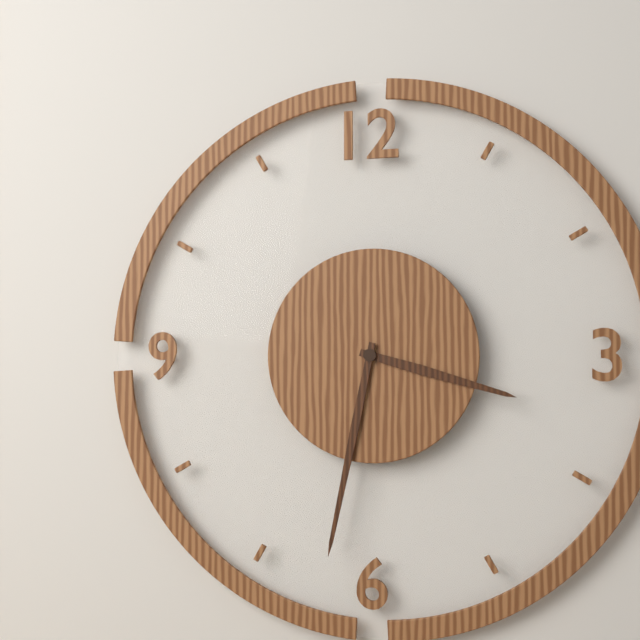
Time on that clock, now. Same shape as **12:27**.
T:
**3:32**
